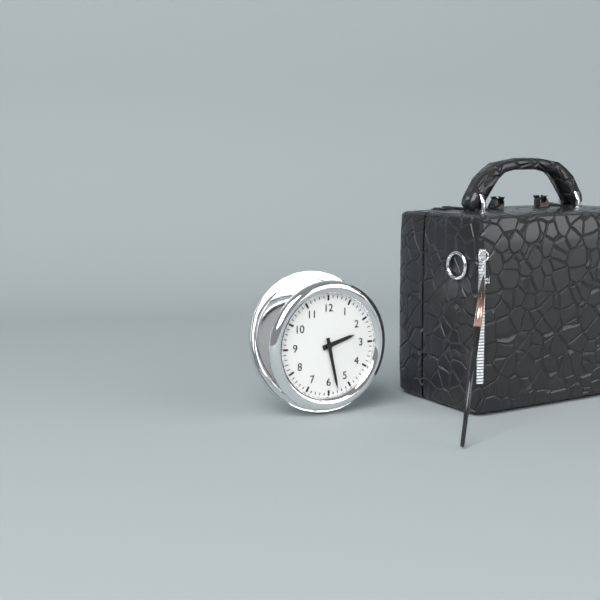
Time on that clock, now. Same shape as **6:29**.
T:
**2:28**
